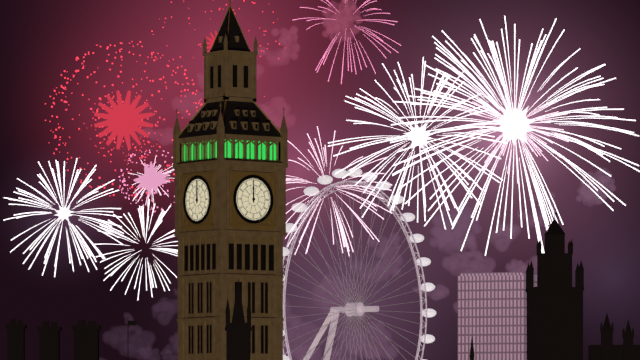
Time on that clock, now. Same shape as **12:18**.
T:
**12:00**
